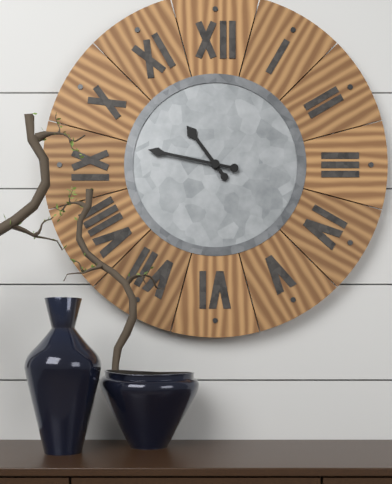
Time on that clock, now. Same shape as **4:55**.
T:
**10:47**
